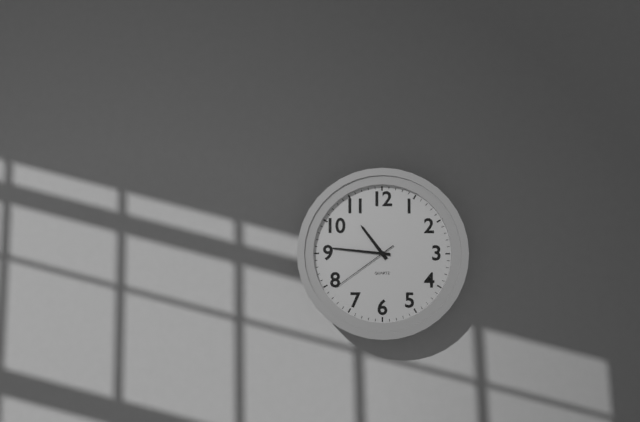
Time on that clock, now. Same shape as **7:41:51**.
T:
**10:46:39**
